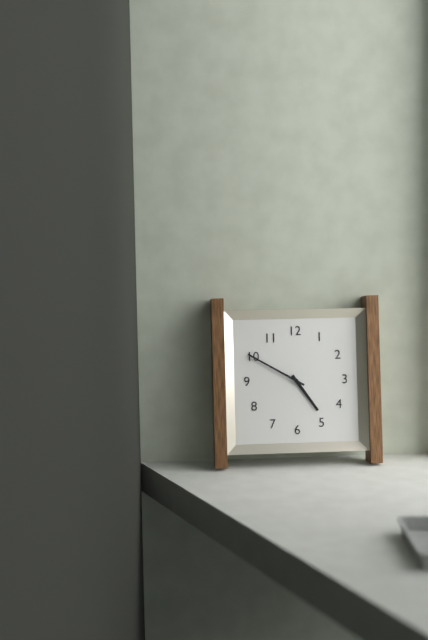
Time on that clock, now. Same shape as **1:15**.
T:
**4:50**
